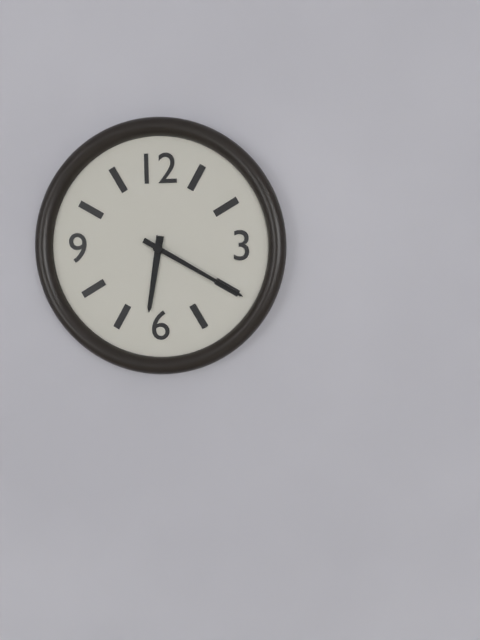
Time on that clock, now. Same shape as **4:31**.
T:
**6:20**
